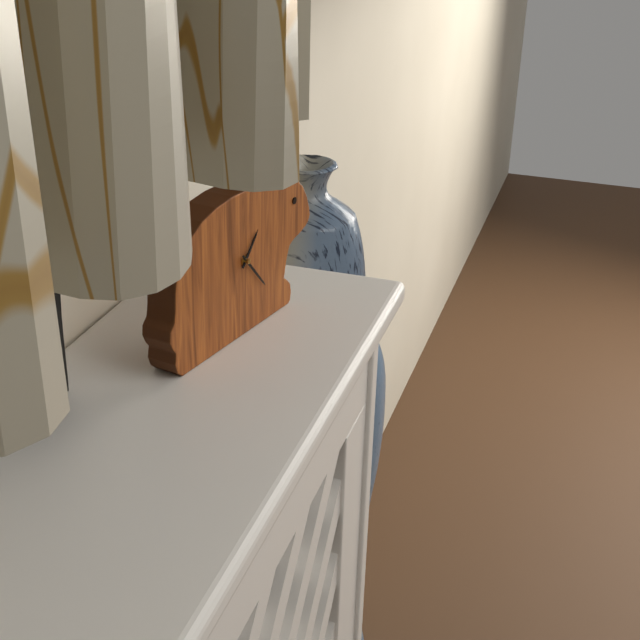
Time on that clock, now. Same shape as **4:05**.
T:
**1:23**
